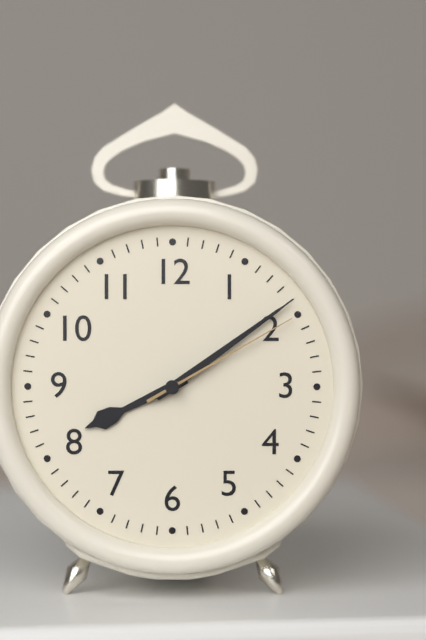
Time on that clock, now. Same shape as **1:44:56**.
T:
**8:09:10**
